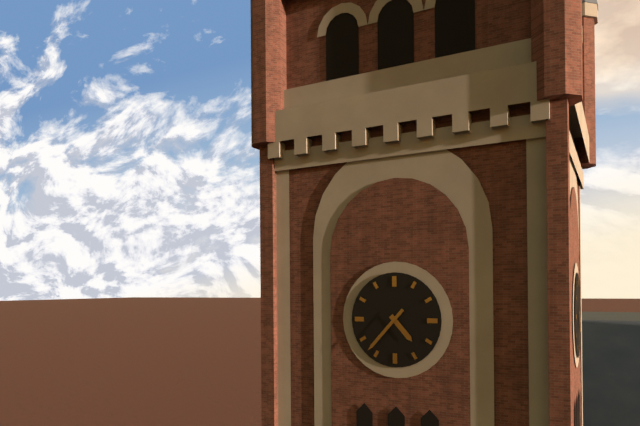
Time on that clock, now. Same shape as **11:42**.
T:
**4:37**
